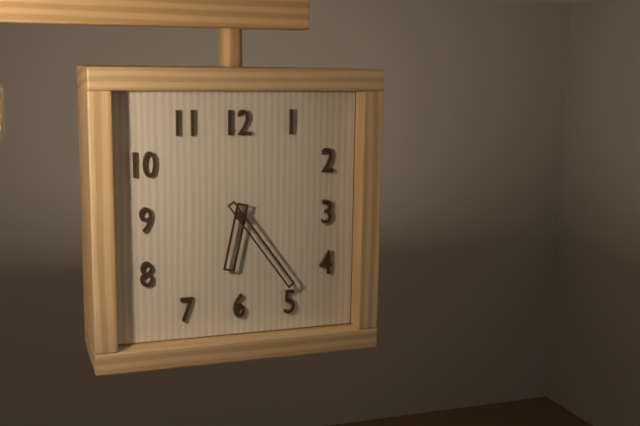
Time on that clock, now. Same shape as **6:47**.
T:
**6:24**
